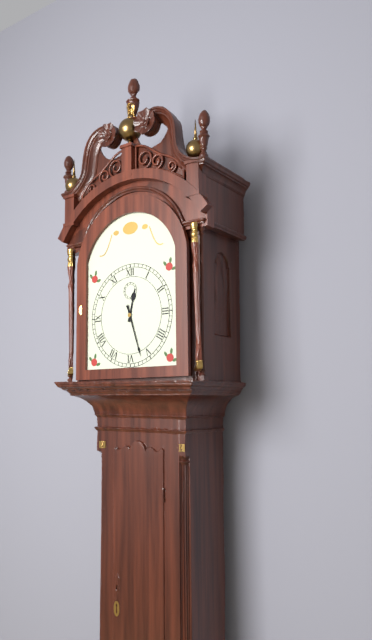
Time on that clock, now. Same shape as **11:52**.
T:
**12:27**
